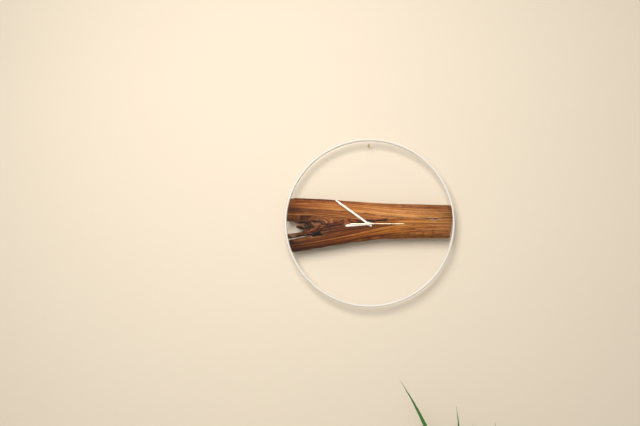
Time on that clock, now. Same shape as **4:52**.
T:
**8:51**
